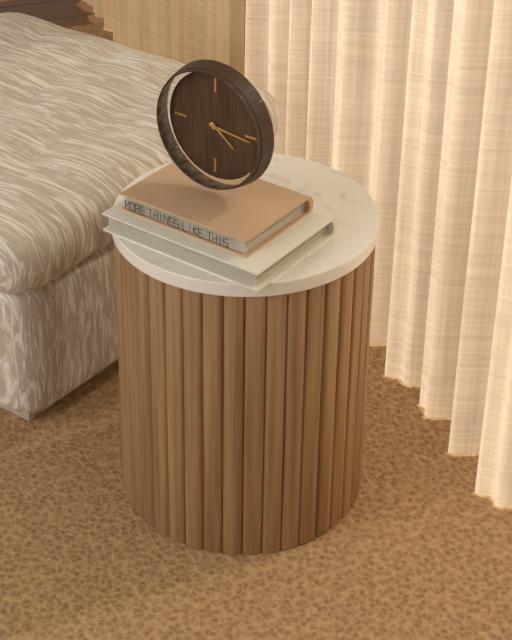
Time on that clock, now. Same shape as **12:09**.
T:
**4:16**
